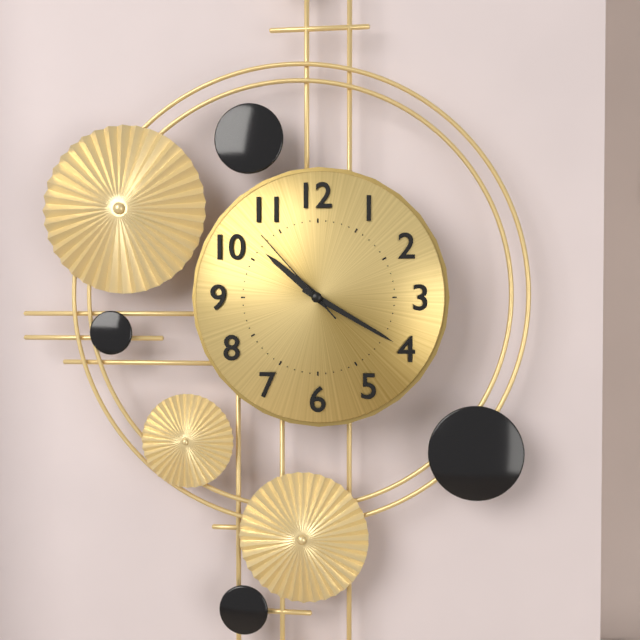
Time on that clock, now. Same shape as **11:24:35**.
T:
**10:20:53**
